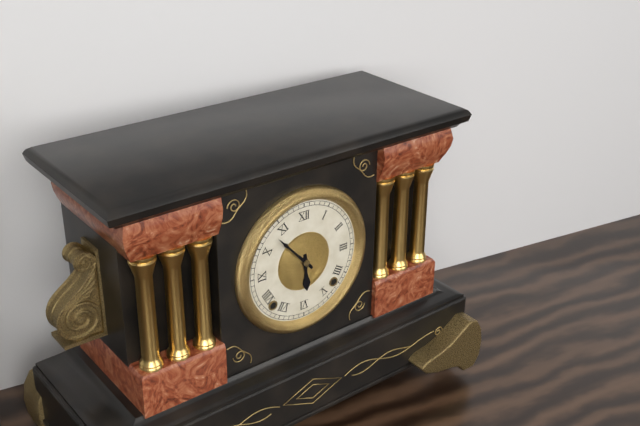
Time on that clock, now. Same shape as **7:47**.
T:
**5:53**
